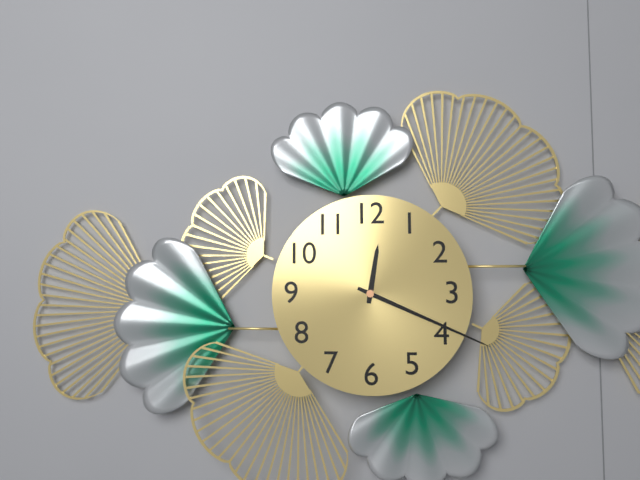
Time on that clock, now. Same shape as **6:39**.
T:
**12:19**
